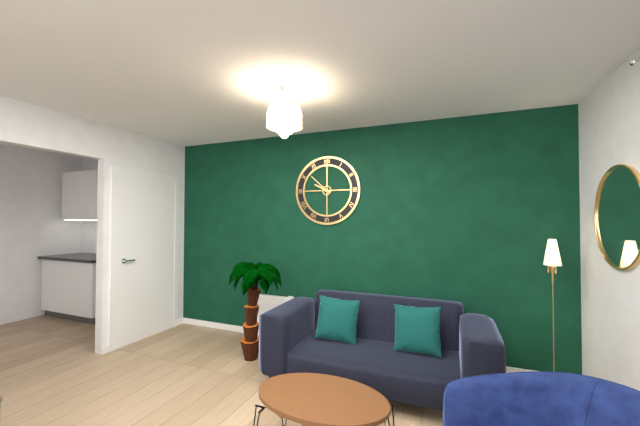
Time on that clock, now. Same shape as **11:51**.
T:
**9:52**
